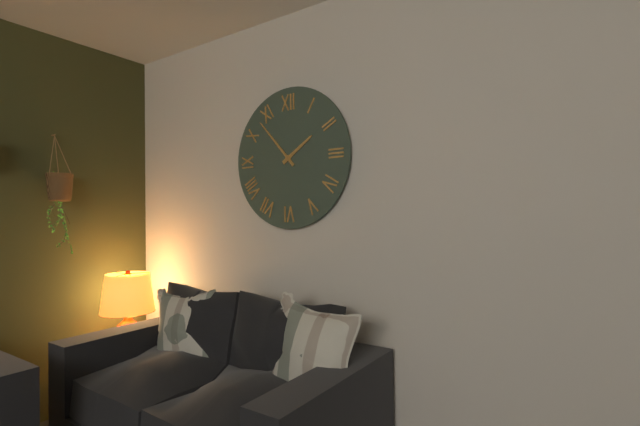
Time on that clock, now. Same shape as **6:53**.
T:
**1:53**
